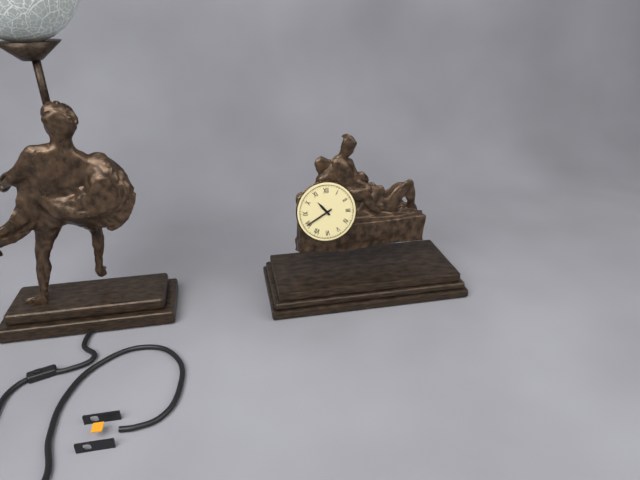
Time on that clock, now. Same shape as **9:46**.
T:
**10:40**
